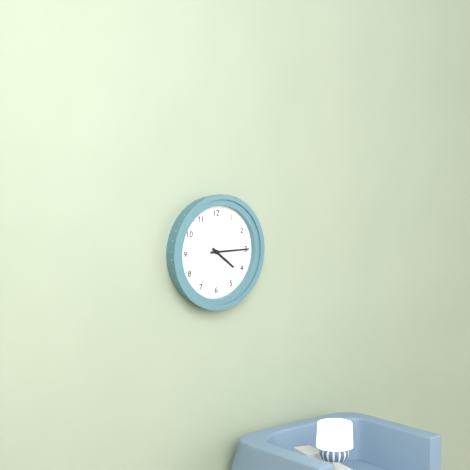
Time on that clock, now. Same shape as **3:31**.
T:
**4:15**
